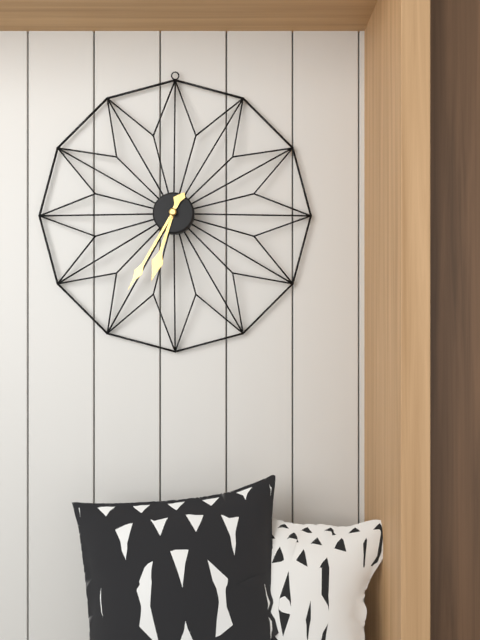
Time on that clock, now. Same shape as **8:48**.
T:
**6:35**
